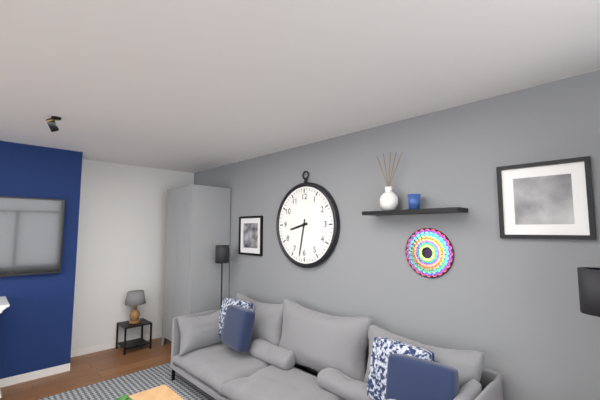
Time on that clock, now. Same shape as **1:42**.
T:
**8:32**
